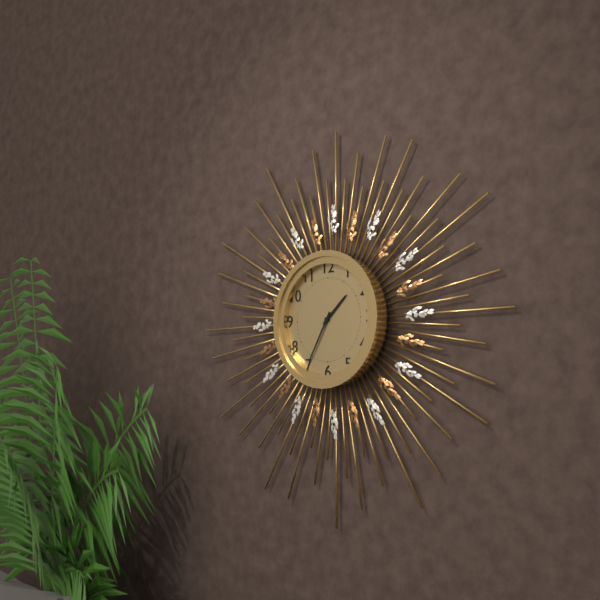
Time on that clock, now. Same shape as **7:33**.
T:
**1:35**
